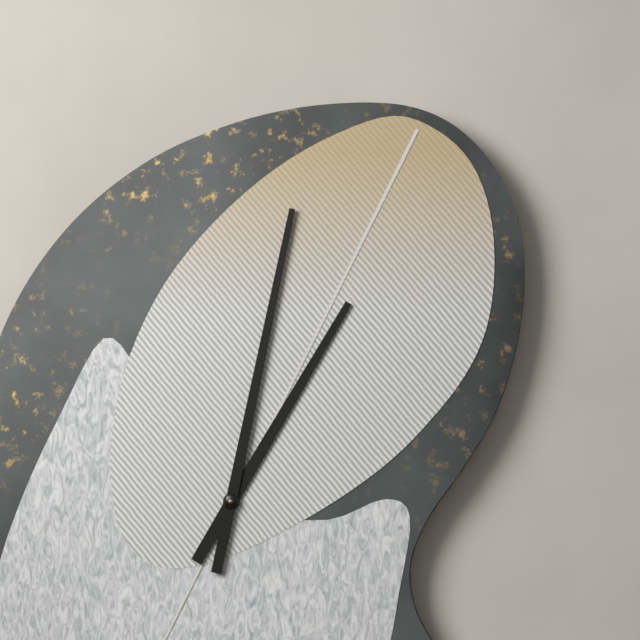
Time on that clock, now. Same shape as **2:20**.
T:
**1:02**
